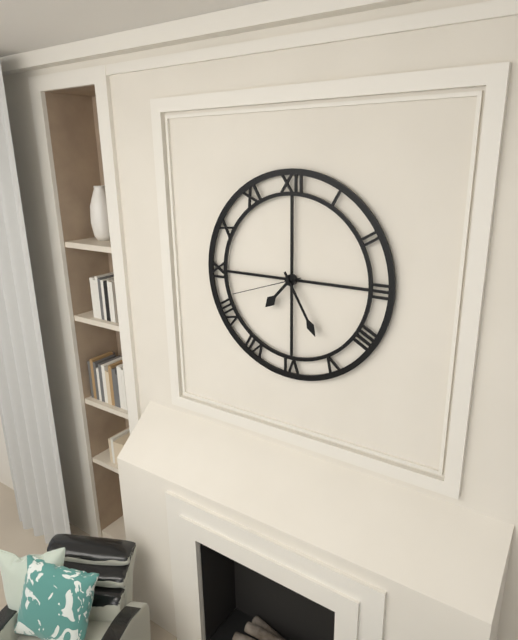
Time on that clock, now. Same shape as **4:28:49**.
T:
**7:25:42**
